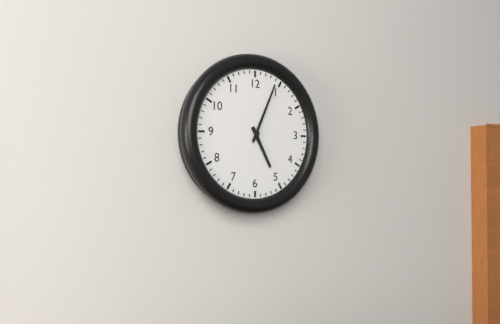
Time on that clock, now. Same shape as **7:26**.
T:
**5:04**
